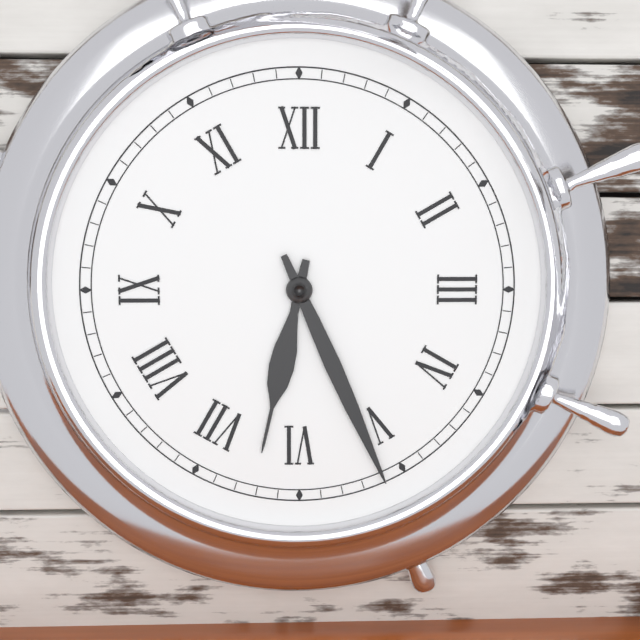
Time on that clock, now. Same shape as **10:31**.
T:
**6:26**
